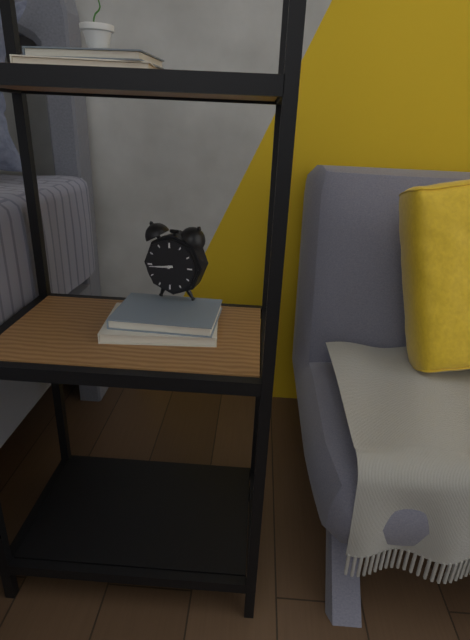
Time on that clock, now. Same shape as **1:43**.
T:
**8:44**
